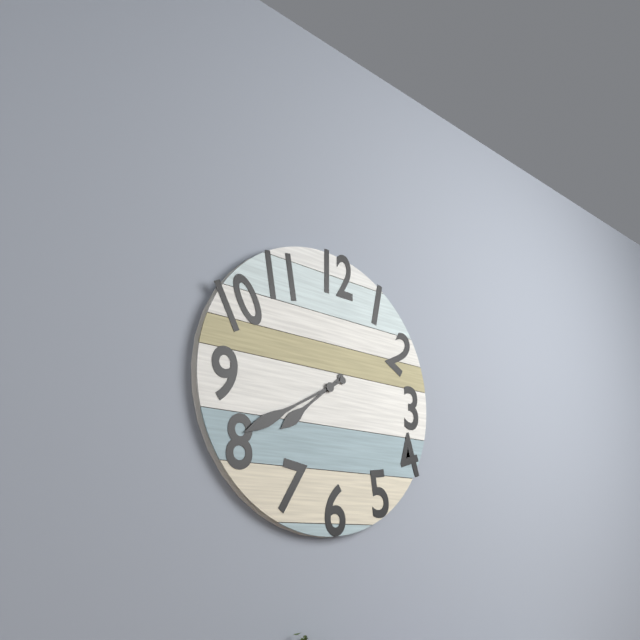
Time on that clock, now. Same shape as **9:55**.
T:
**7:40**
